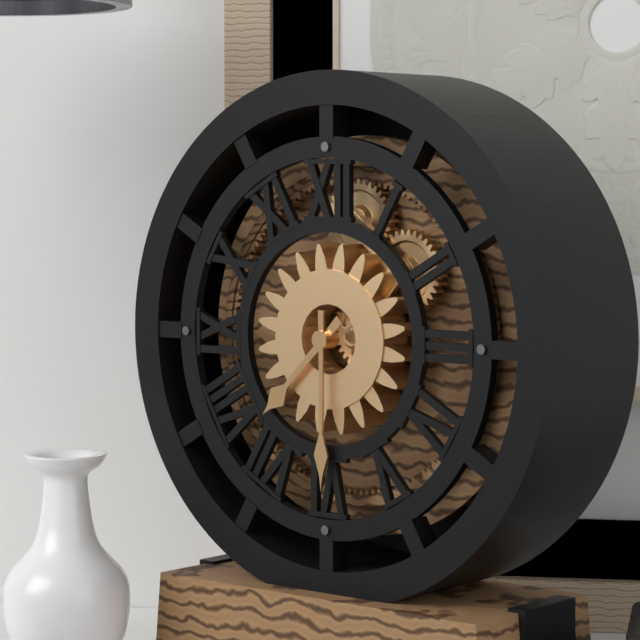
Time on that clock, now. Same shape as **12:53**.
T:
**7:30**
